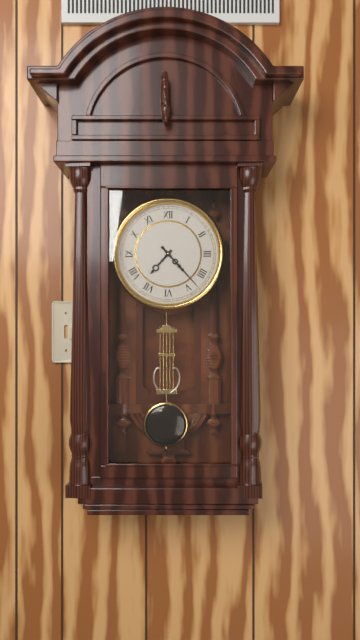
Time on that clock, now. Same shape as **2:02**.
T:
**7:23**
